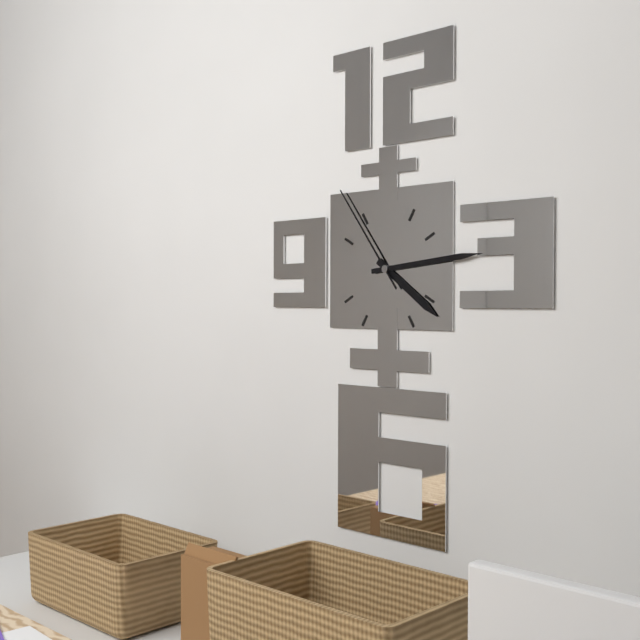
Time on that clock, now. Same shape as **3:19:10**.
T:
**4:14:54**
